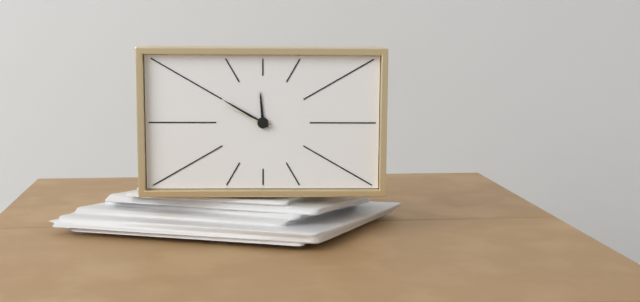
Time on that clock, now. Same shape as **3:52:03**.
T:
**11:50:49**
